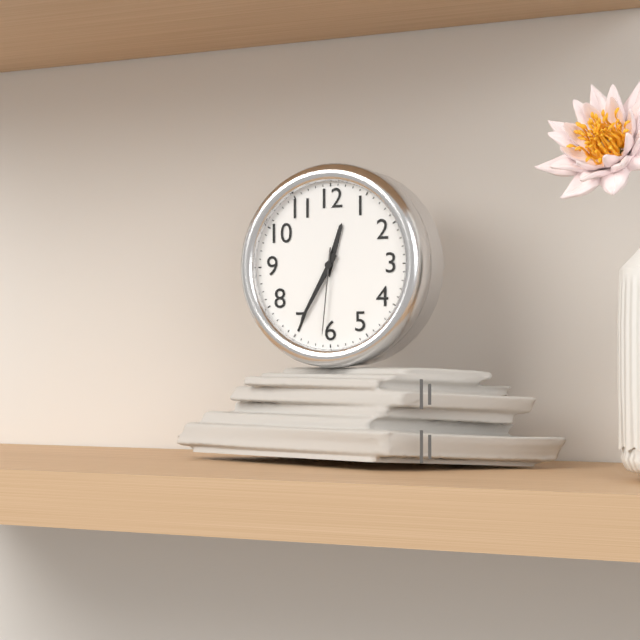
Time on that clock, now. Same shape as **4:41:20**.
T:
**12:35:31**
